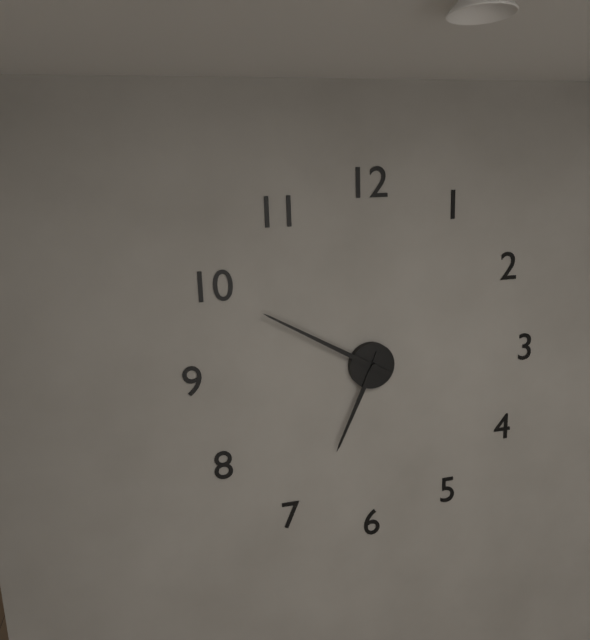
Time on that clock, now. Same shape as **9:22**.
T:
**6:50**
